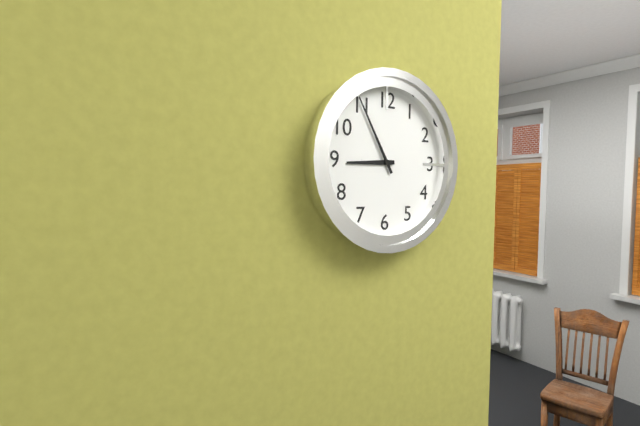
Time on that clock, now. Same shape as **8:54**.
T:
**8:55**
